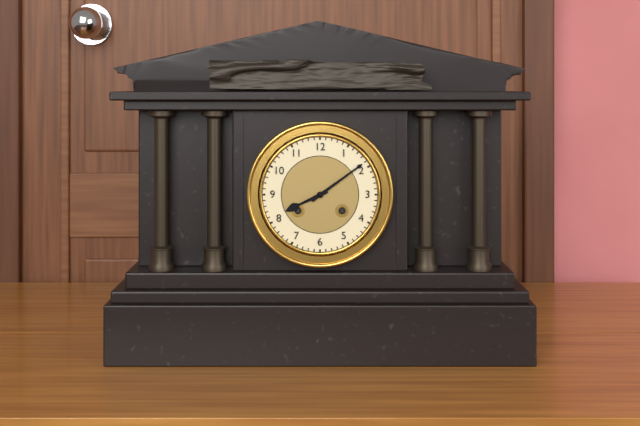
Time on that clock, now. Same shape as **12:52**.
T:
**8:09**
